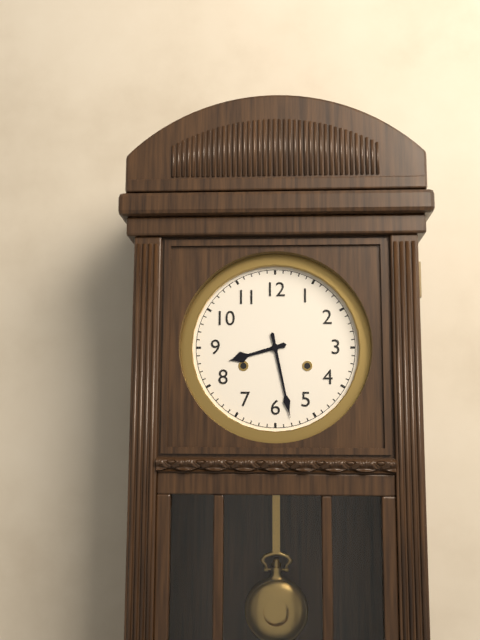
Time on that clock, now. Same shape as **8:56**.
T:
**8:28**
